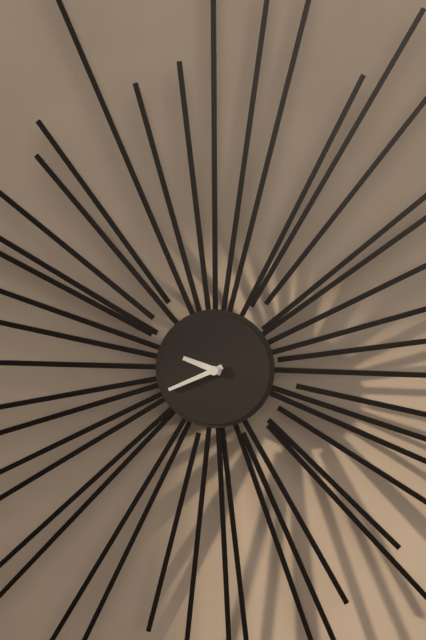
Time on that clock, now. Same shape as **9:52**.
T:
**9:41**
